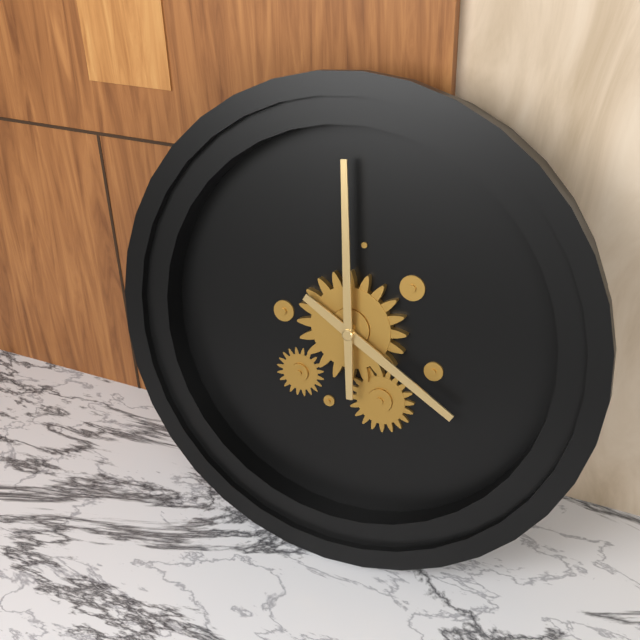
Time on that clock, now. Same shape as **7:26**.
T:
**3:59**
